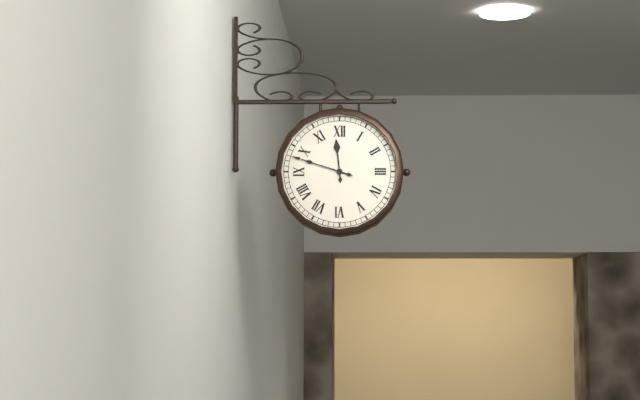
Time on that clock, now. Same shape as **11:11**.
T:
**11:48**
